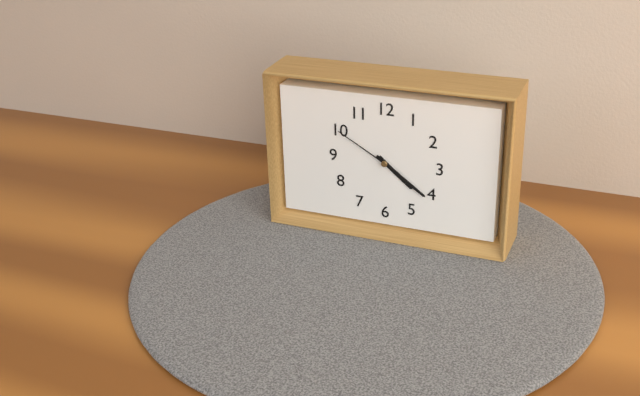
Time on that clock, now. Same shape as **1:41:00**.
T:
**4:21:50**
